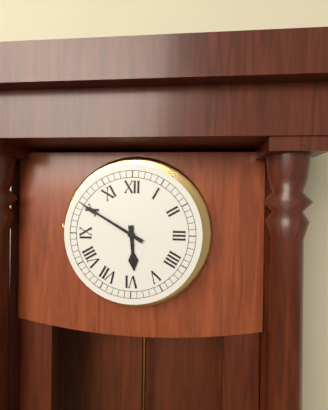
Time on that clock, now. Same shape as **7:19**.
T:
**5:50**
